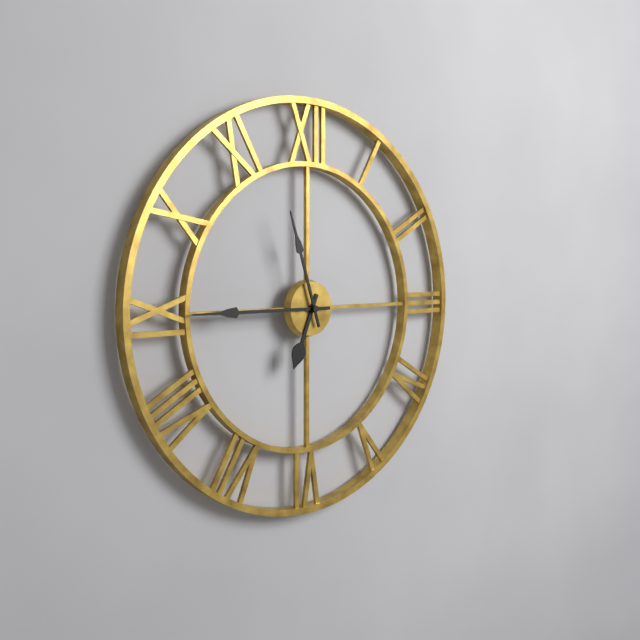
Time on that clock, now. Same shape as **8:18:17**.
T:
**6:45:57**
